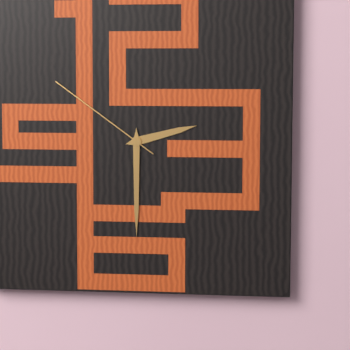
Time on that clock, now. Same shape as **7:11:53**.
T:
**2:30:51**
